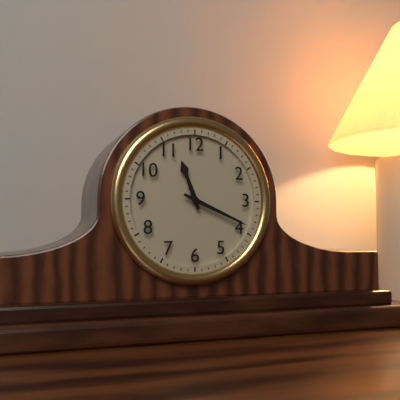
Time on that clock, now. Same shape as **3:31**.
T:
**11:19**
